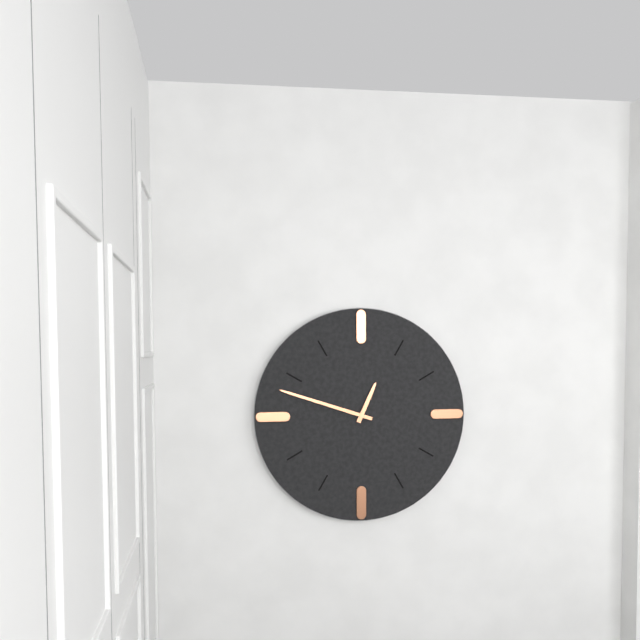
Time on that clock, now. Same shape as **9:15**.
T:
**12:48**
